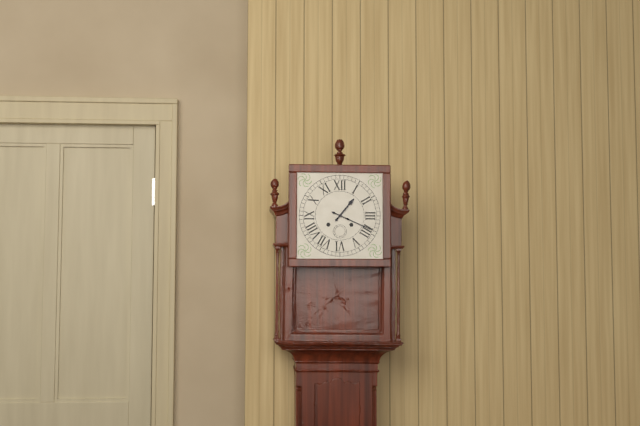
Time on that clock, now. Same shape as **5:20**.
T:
**1:19**
